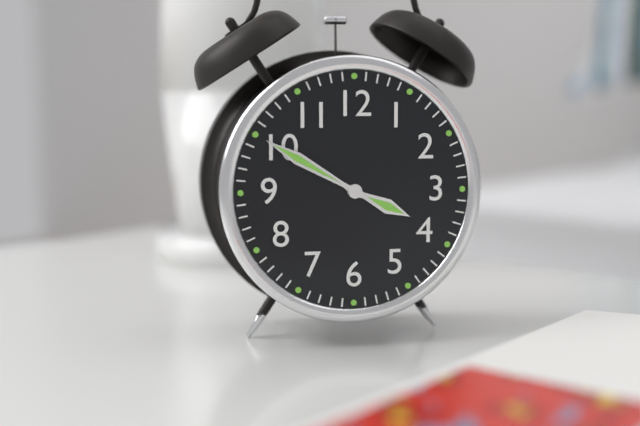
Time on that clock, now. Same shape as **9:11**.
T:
**3:50**
